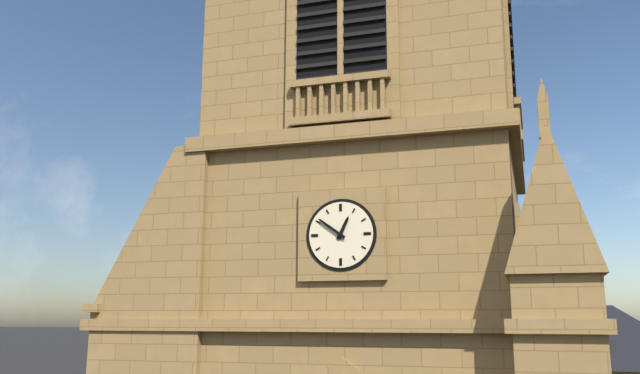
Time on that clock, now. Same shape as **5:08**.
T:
**12:51**
